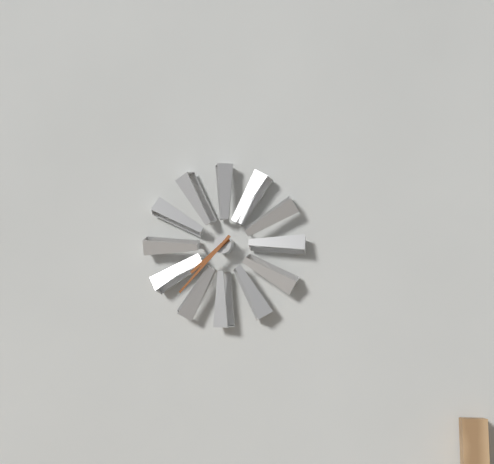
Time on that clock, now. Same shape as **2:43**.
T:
**7:37**
